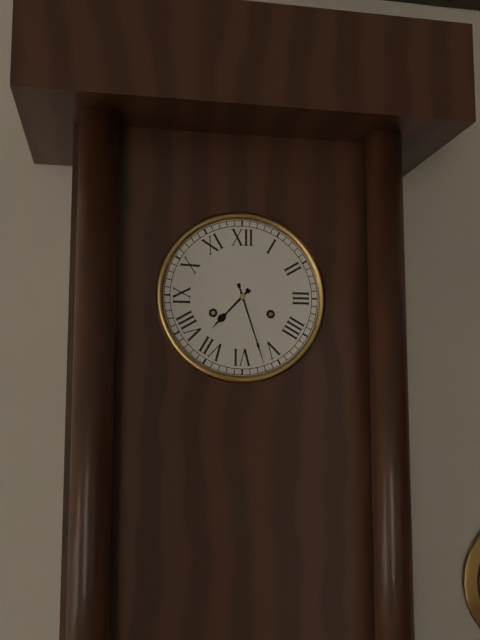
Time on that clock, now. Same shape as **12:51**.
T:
**7:27**
